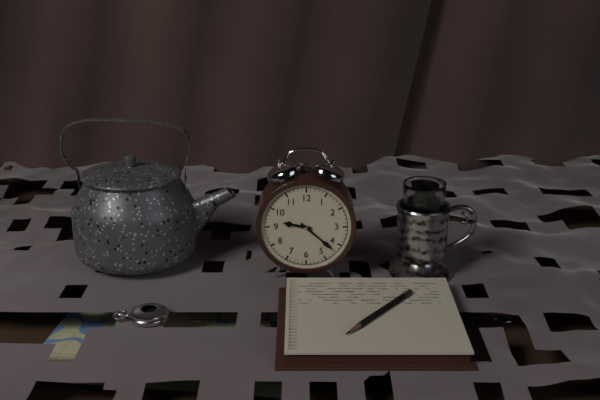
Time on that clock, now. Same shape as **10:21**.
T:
**9:22**
